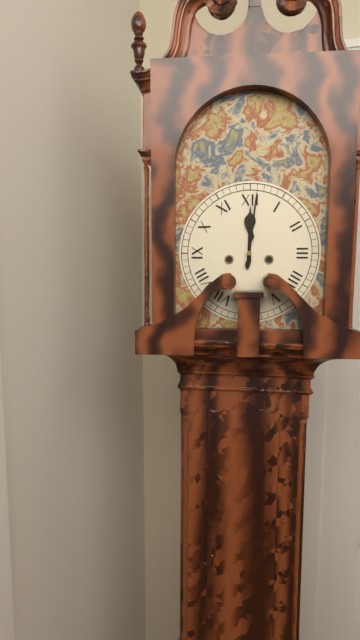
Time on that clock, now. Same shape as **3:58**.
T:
**12:01**
